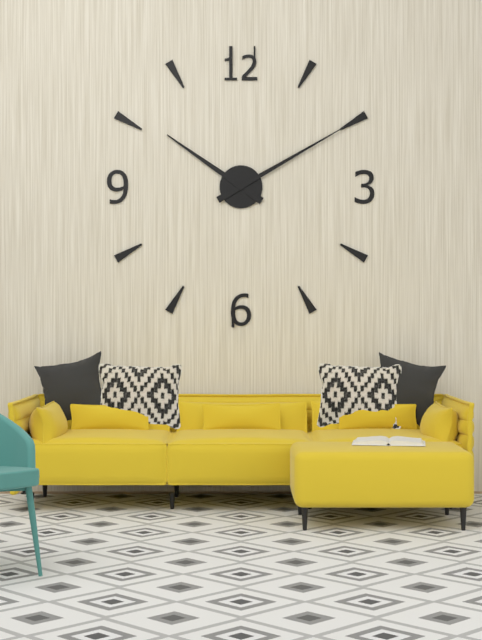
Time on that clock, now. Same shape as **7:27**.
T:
**10:10**
